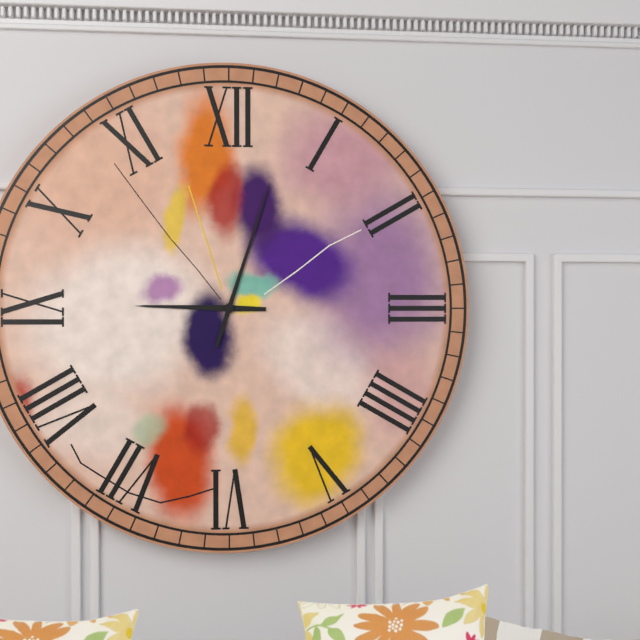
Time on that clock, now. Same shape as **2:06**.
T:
**9:03**
